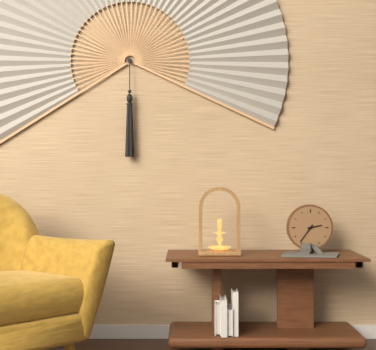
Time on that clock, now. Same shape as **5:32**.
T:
**2:36**
